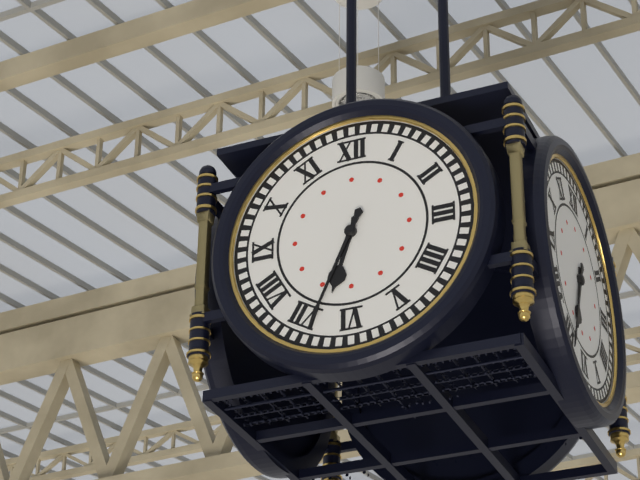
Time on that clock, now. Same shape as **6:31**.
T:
**6:34**
